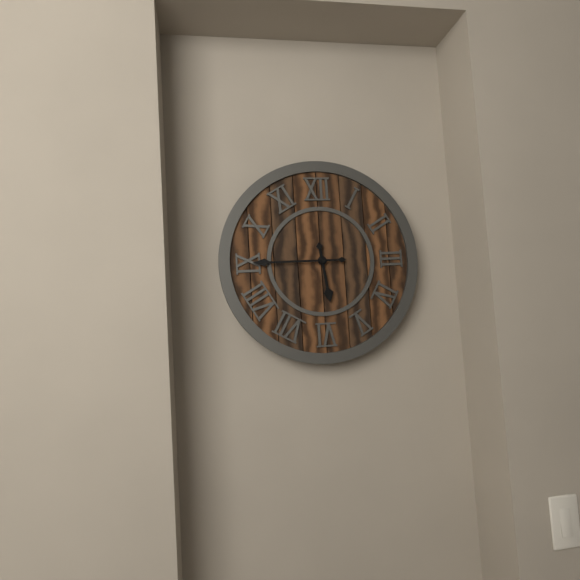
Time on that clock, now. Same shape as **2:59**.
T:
**5:45**
